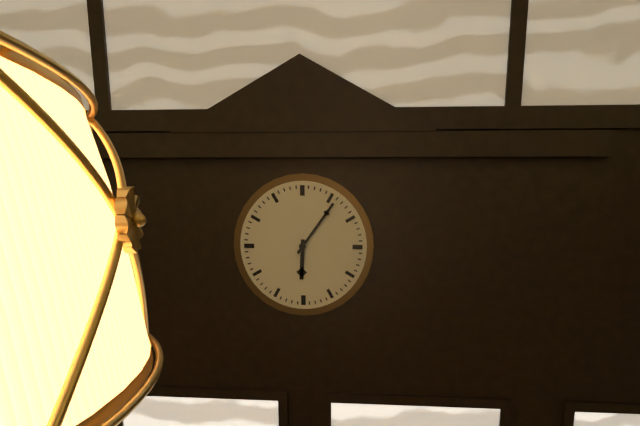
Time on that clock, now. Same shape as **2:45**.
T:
**6:06**
